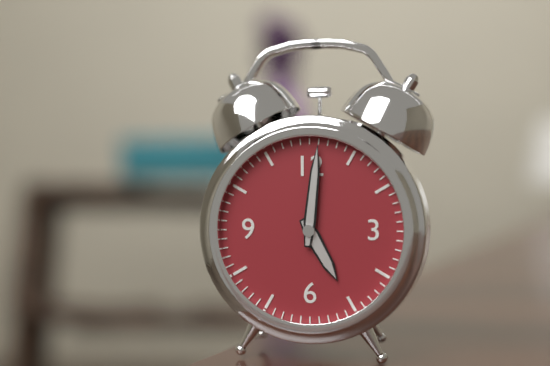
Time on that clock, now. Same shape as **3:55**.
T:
**5:01**
